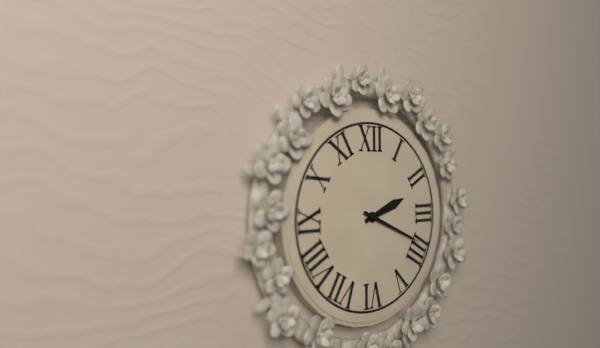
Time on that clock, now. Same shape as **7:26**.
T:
**2:19**
